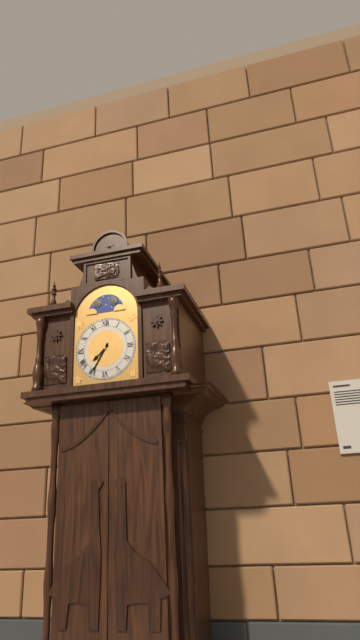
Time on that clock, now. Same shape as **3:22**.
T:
**7:35**
